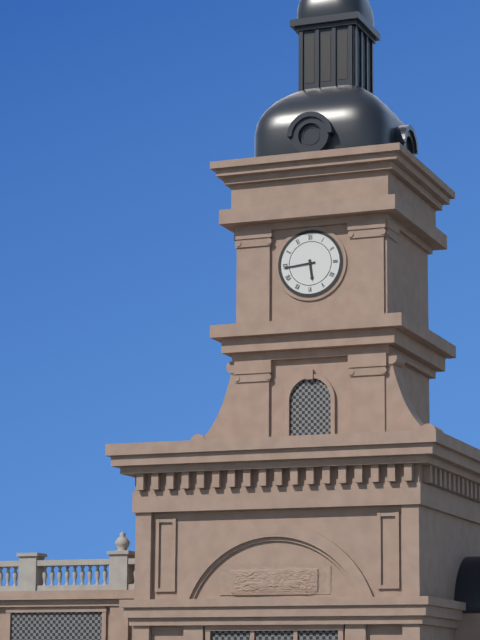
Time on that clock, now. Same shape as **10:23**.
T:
**5:44**
